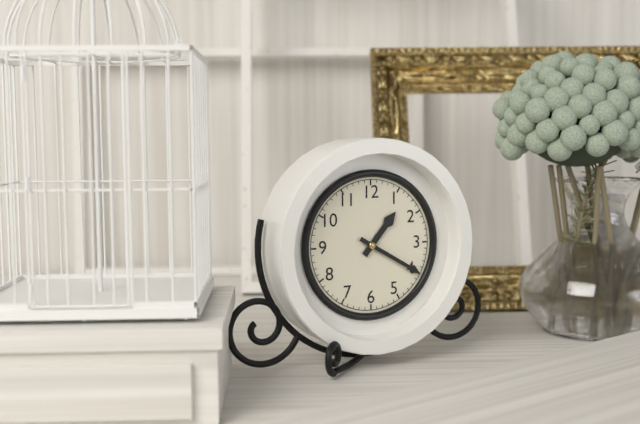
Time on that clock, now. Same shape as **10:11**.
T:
**1:20**
